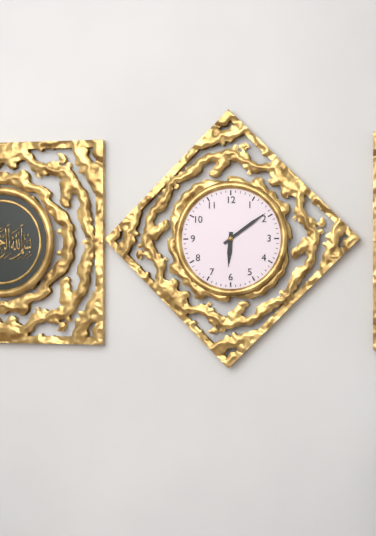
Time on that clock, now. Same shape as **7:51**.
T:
**6:09**
